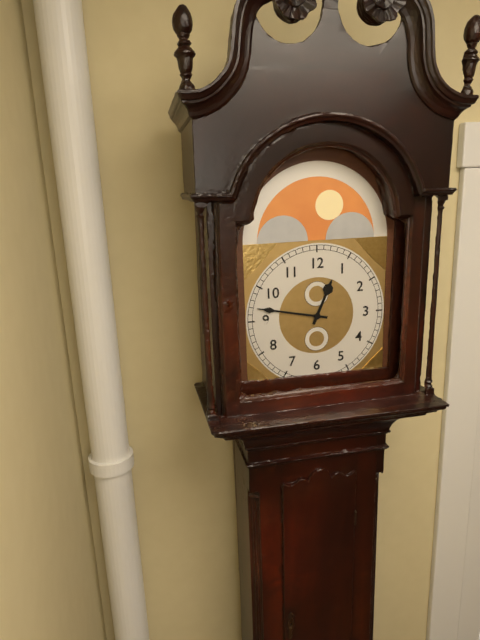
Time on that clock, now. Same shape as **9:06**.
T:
**12:47**
